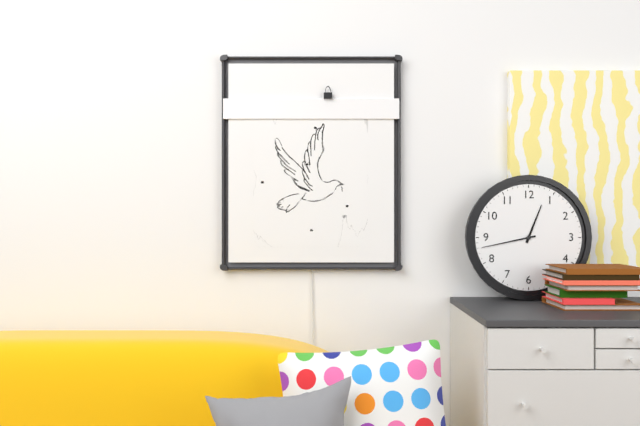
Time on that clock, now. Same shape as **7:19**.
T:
**12:43**
